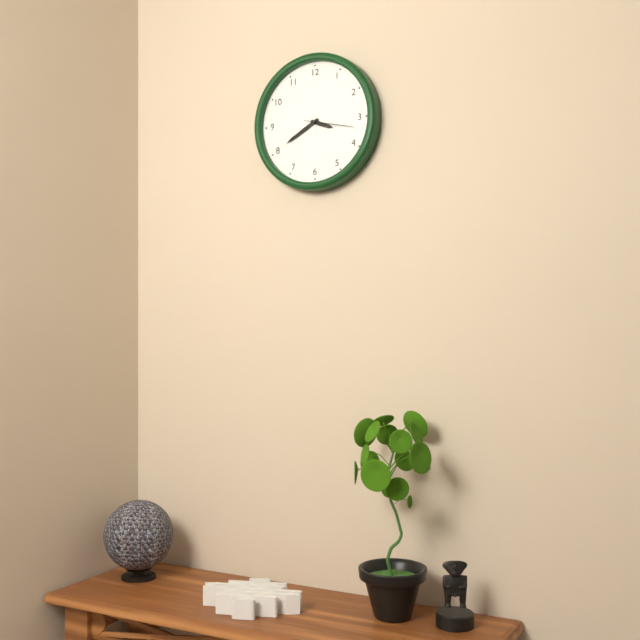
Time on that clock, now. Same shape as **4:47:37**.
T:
**3:40:17**
